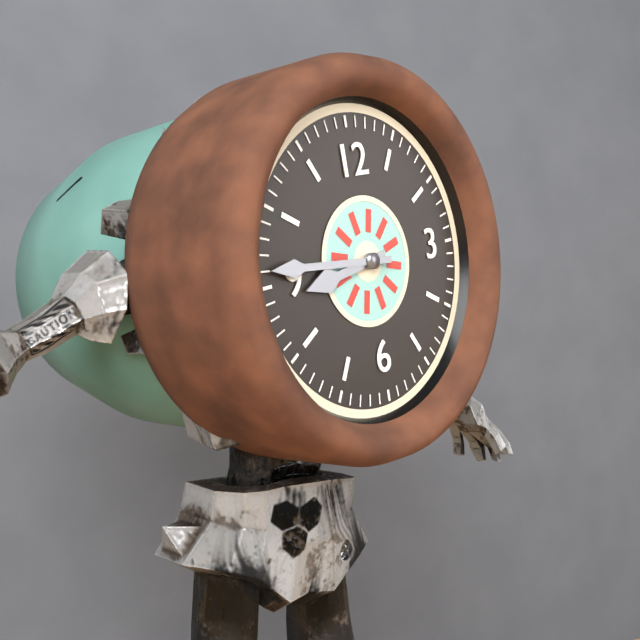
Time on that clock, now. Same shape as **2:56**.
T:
**8:46**
